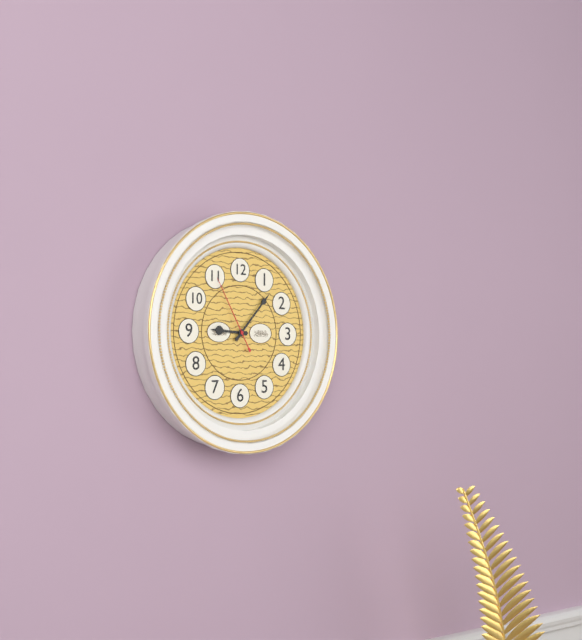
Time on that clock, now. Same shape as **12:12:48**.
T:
**9:07:55**
